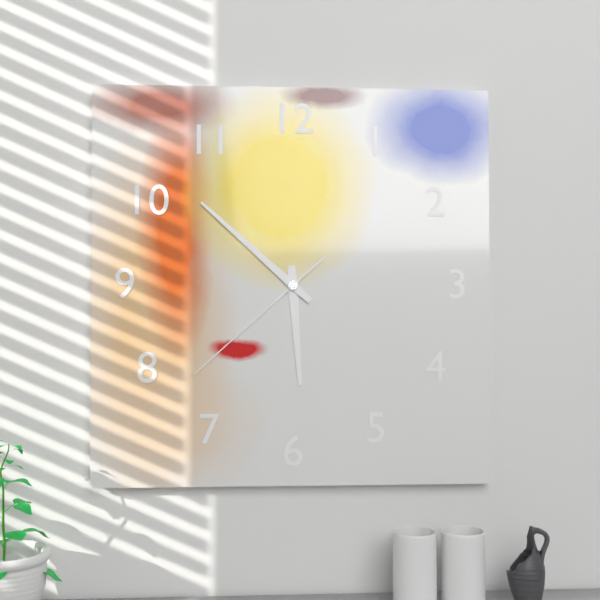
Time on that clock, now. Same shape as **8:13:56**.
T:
**5:52:38**
